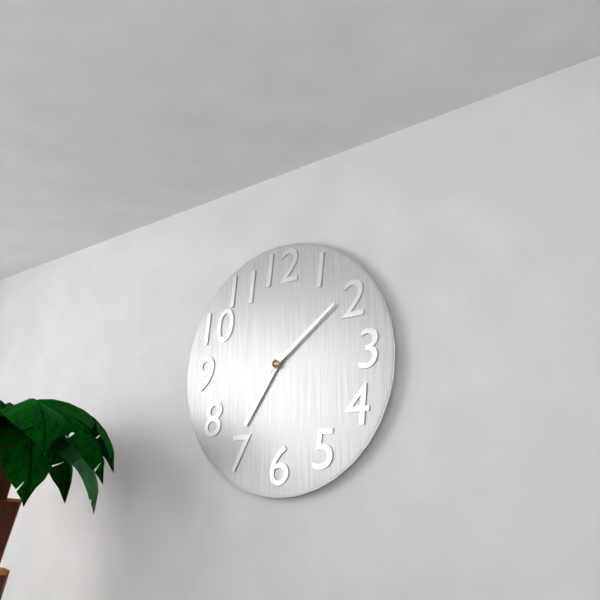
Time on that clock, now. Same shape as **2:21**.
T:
**7:09**
